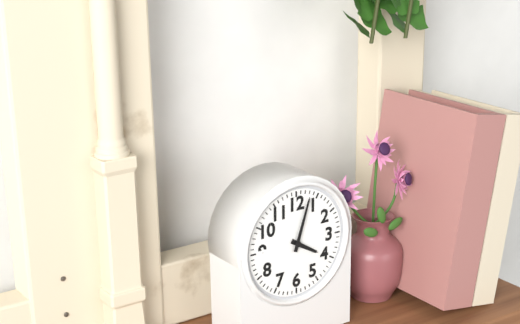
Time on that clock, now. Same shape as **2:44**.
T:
**4:03**
